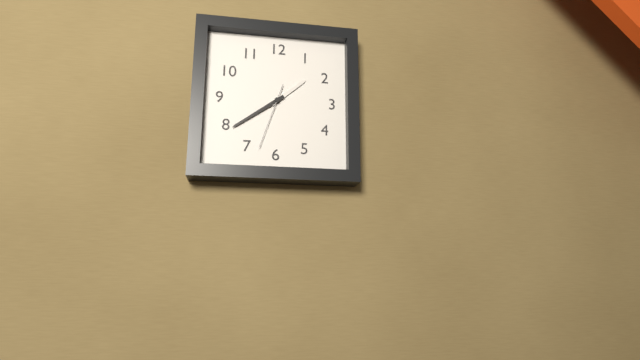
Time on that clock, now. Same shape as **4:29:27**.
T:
**1:39:33**
